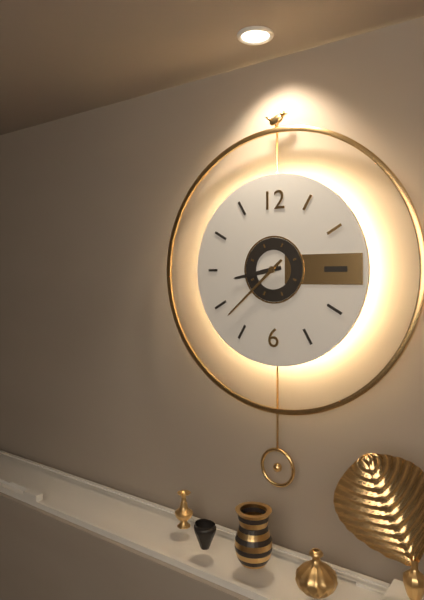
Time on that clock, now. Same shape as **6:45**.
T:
**8:38**
